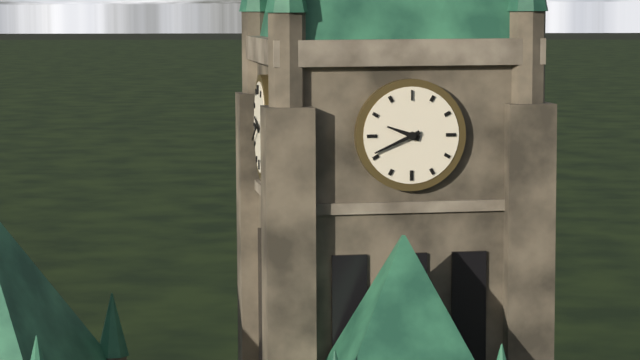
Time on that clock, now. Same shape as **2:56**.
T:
**9:41**
